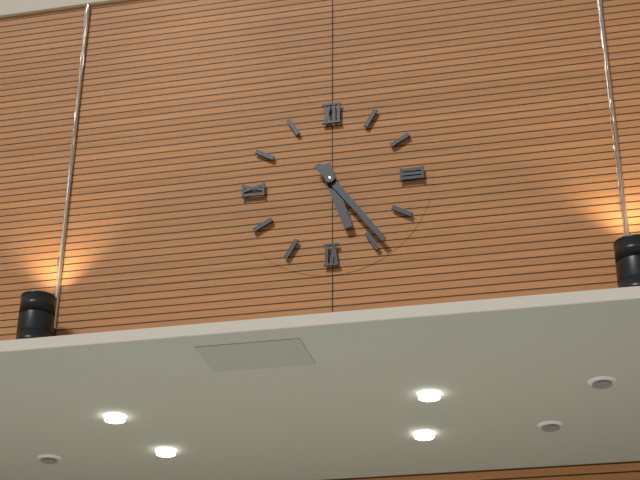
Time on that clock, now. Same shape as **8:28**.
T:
**5:24**
